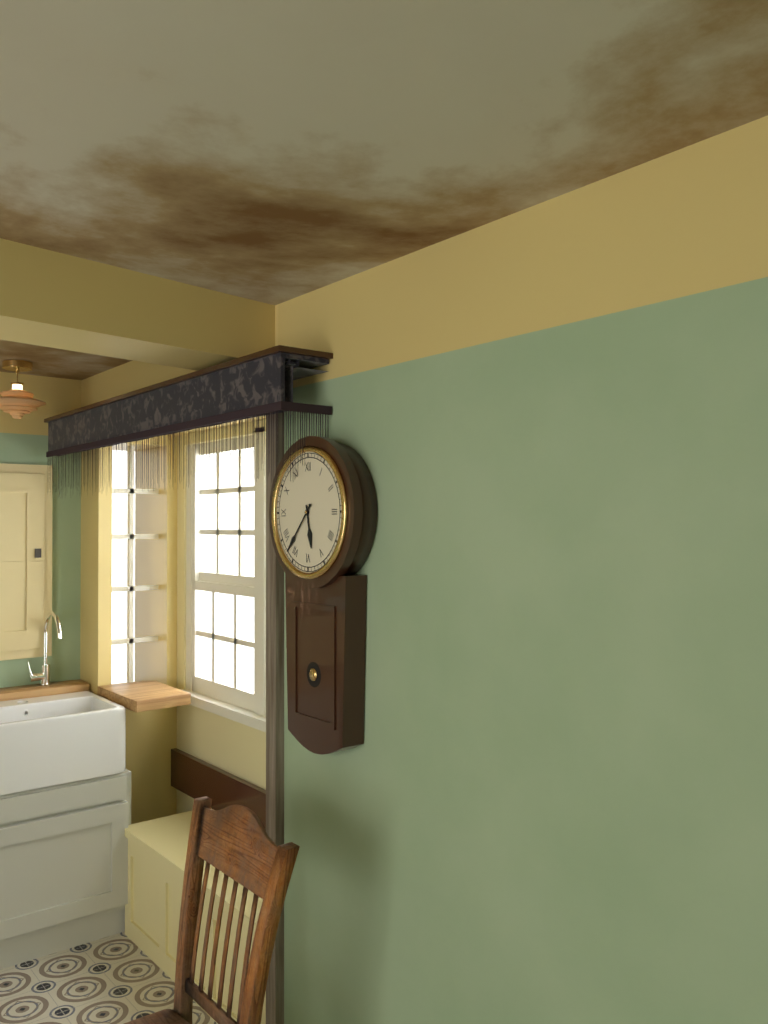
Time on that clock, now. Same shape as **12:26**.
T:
**5:37**
